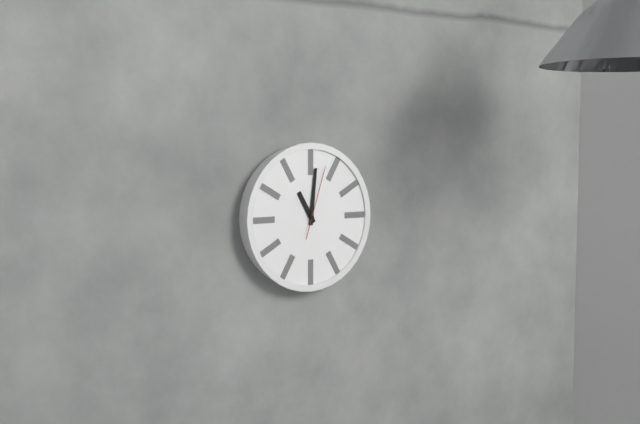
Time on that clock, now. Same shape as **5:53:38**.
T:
**11:01:03**
